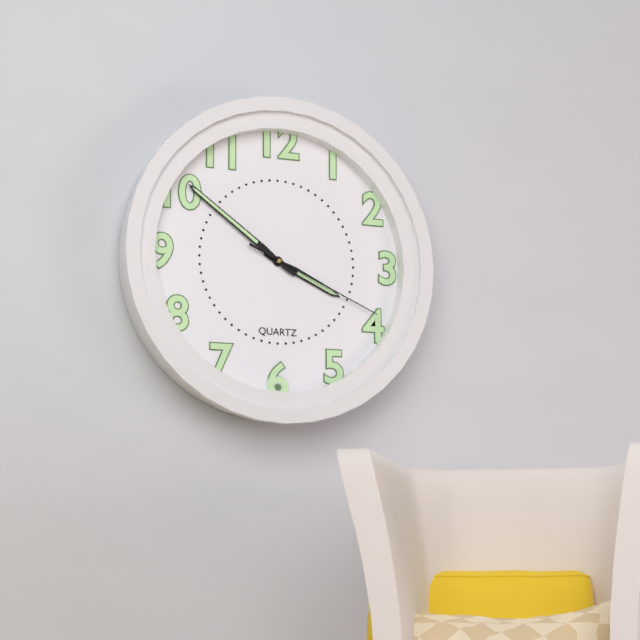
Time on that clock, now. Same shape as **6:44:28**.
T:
**3:51:19**
